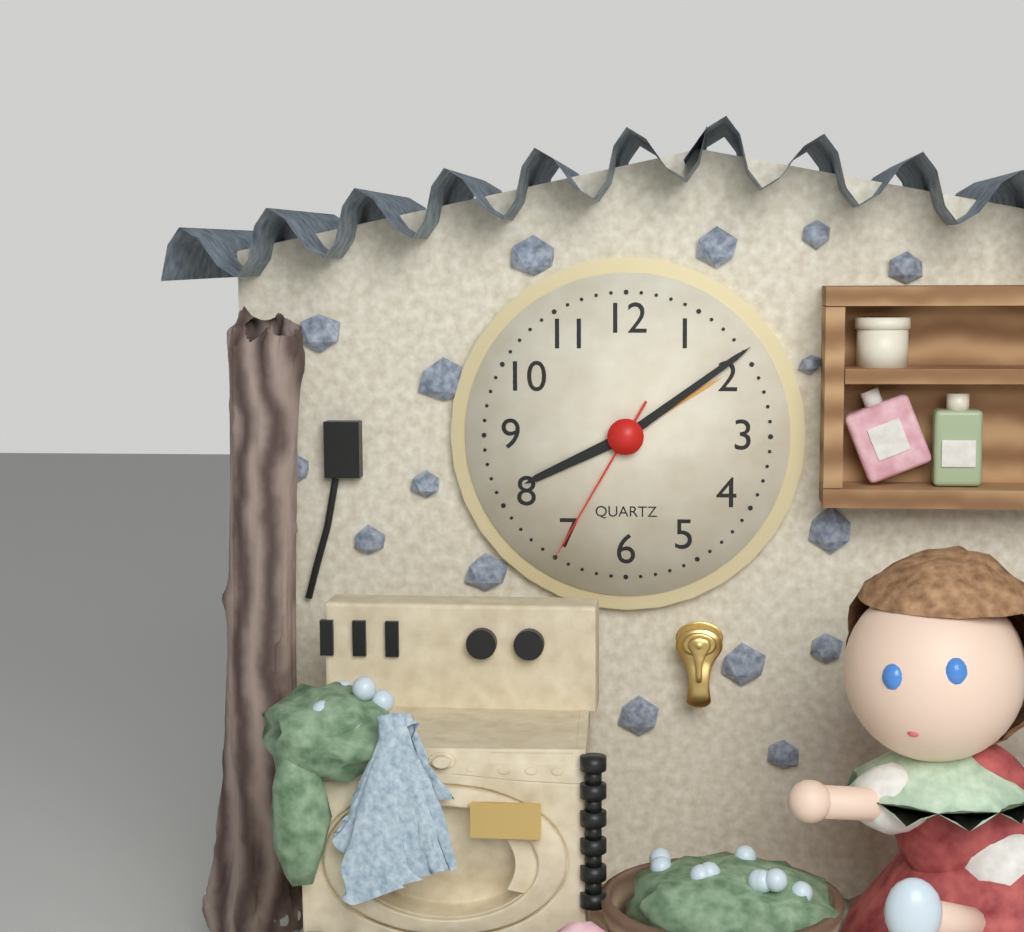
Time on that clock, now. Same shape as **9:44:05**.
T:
**8:09:35**
